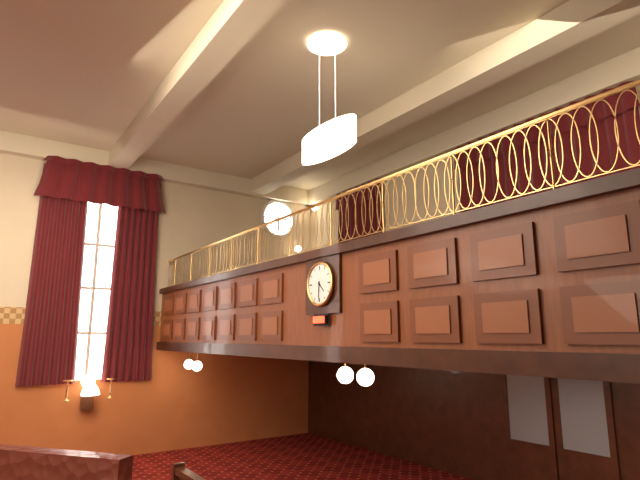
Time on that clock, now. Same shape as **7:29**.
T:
**4:31**
